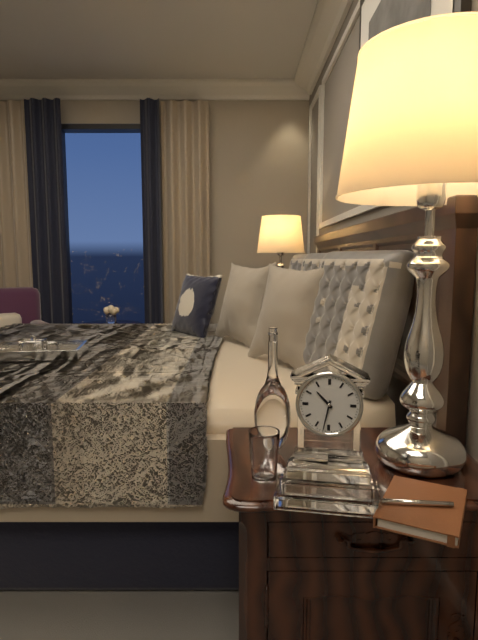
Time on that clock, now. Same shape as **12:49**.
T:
**10:32**
